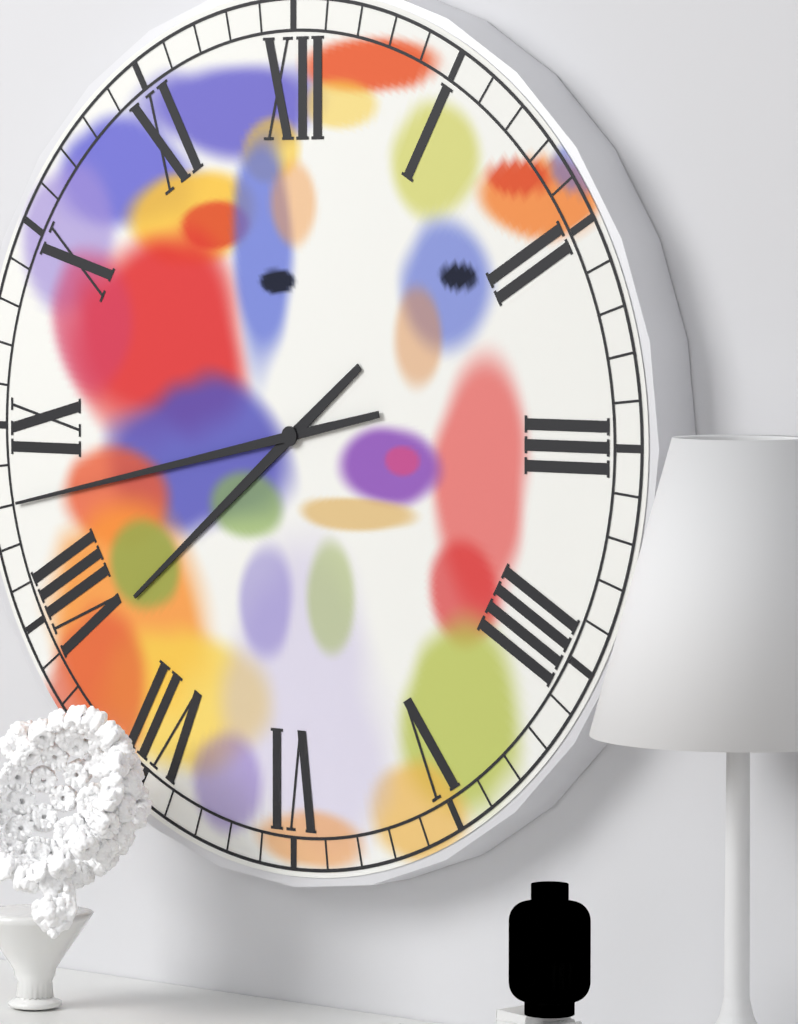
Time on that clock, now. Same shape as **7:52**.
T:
**7:43**
